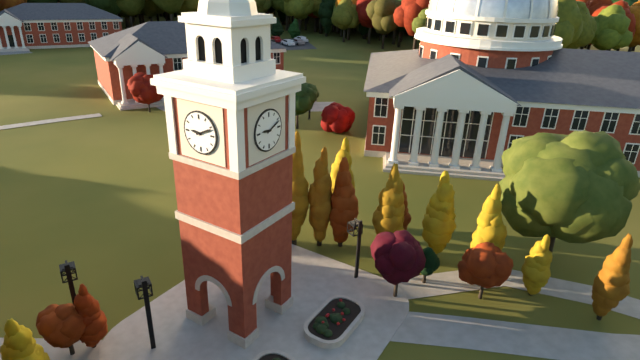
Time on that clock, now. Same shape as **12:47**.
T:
**9:11**
